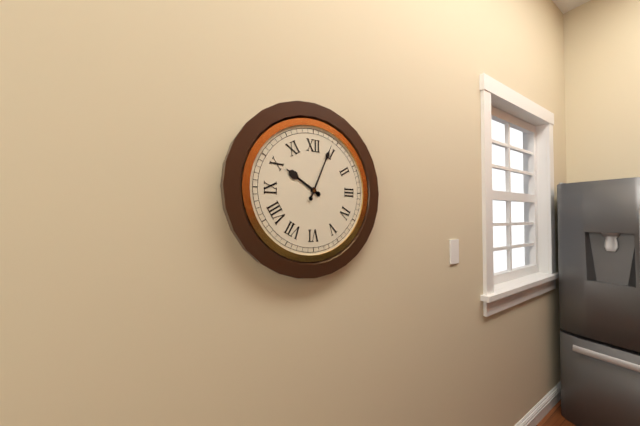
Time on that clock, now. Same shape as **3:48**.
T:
**10:04**
